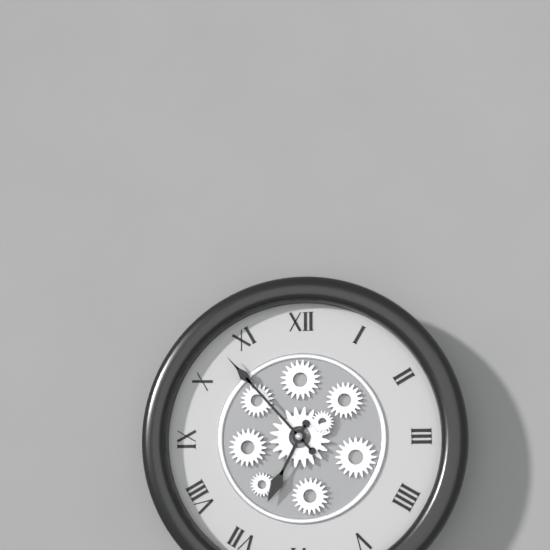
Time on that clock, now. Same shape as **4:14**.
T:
**6:53**
